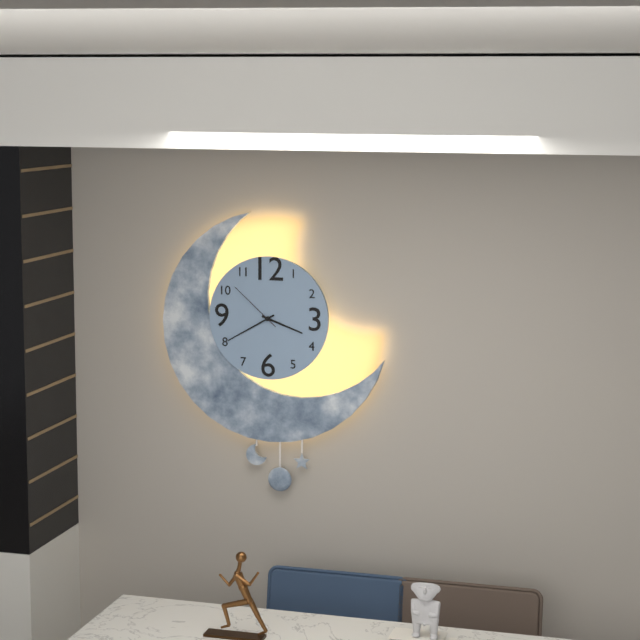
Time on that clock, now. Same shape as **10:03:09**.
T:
**3:40:52**
